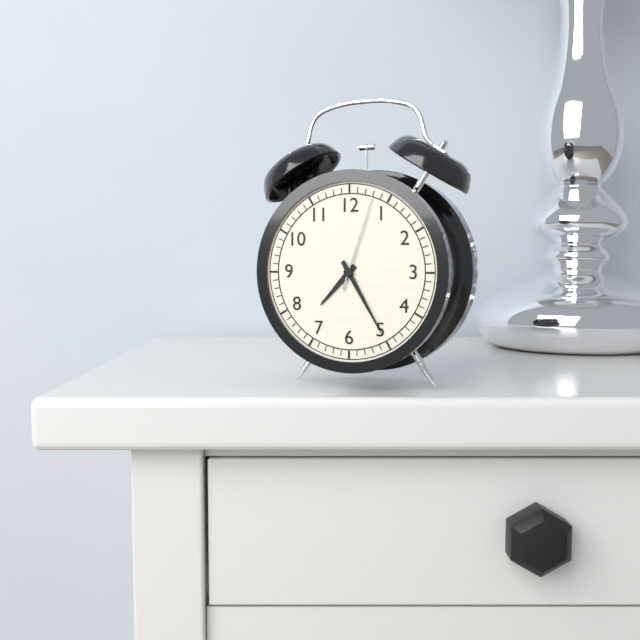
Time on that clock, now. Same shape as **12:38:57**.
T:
**7:25:03**
